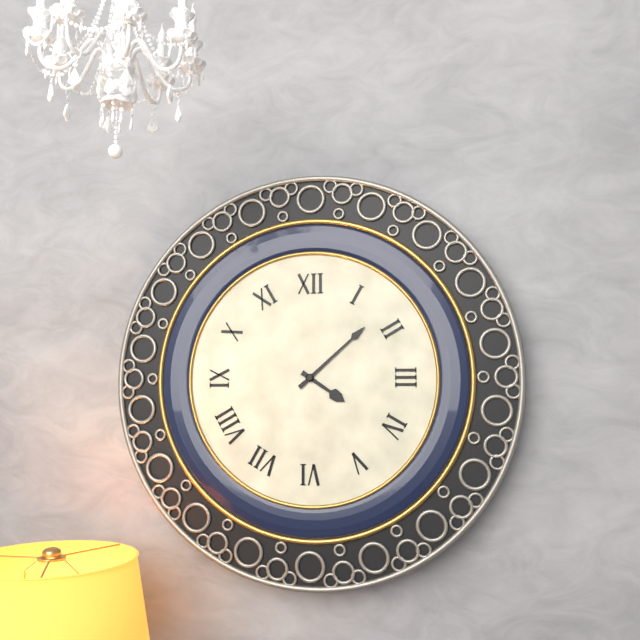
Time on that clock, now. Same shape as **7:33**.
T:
**4:08**
